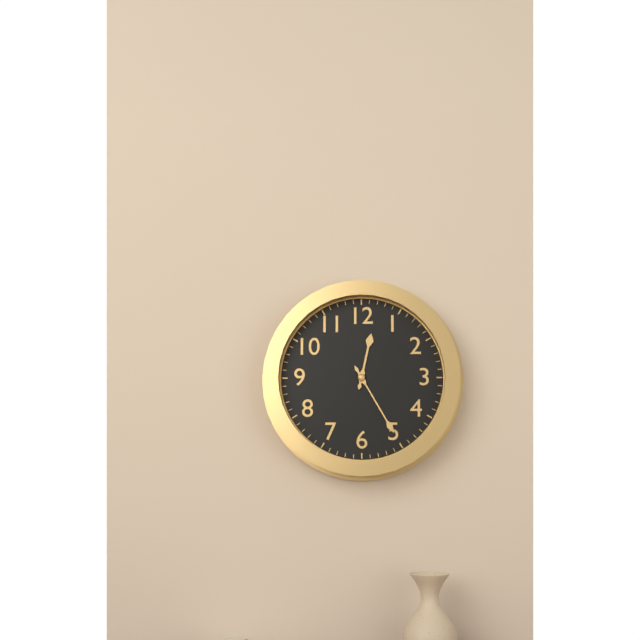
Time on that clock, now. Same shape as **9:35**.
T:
**12:25**
